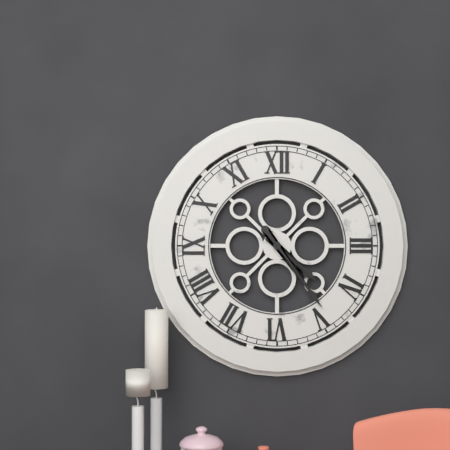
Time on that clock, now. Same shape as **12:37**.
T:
**4:24**
